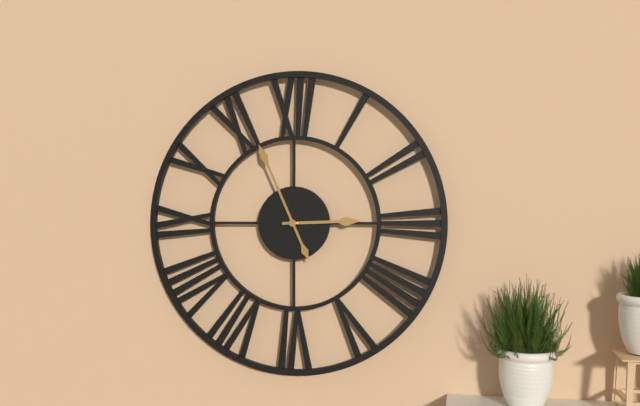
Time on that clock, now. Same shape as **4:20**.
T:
**2:56**
